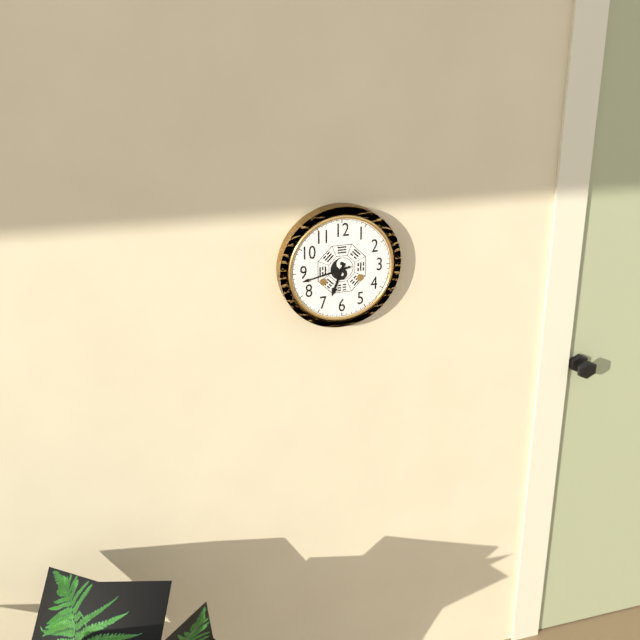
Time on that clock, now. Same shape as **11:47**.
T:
**6:43**
